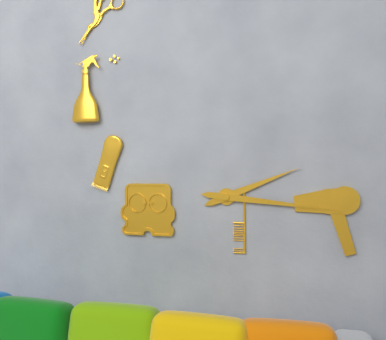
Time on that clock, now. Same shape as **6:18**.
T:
**2:16**
